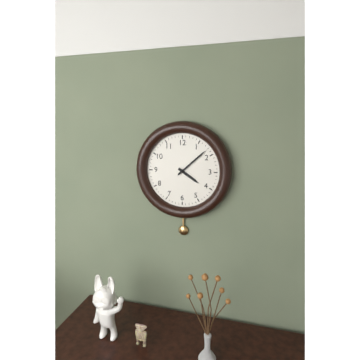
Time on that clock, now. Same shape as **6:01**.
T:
**4:08**
